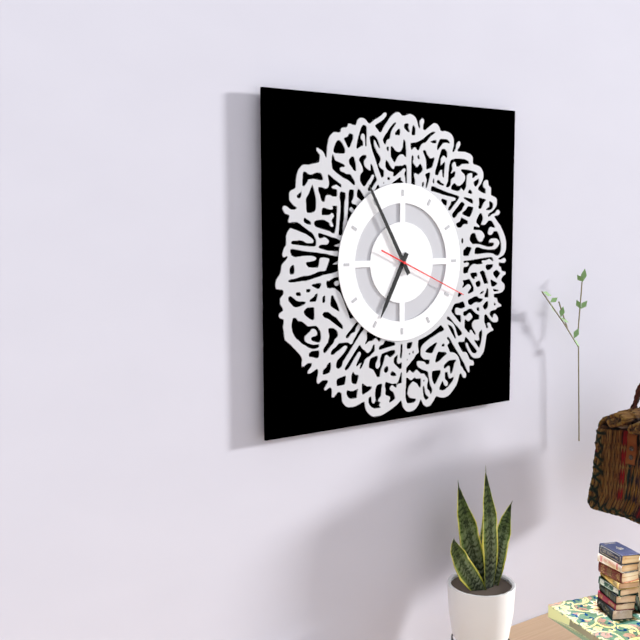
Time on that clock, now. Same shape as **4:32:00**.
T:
**6:55:19**
